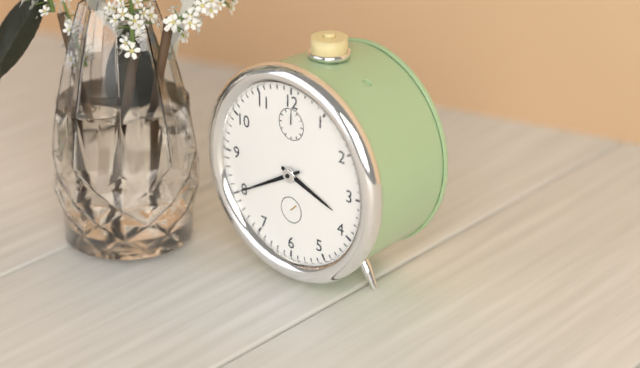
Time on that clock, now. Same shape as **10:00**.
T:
**3:40**
